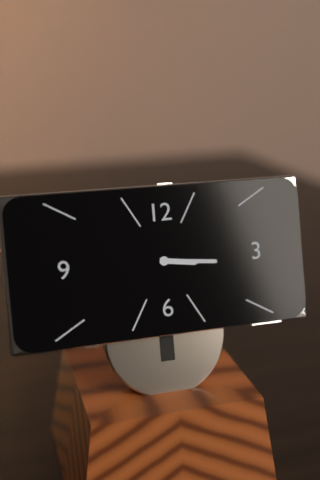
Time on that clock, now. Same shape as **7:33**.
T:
**3:16**
